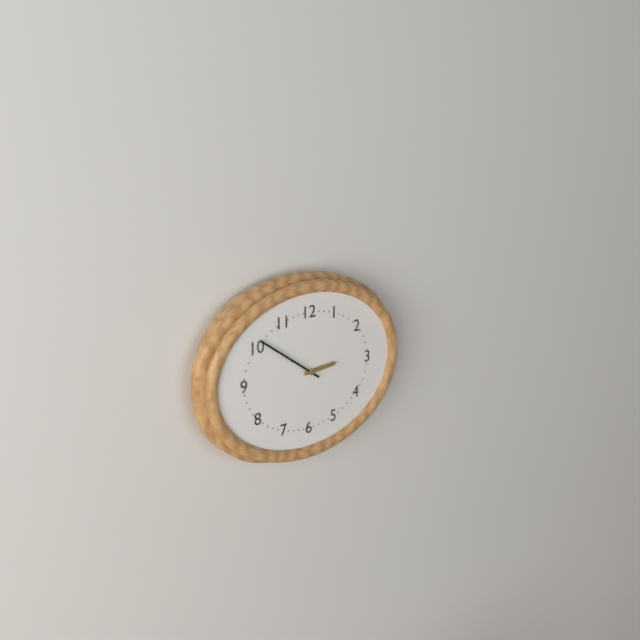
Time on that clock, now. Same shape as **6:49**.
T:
**2:51**
